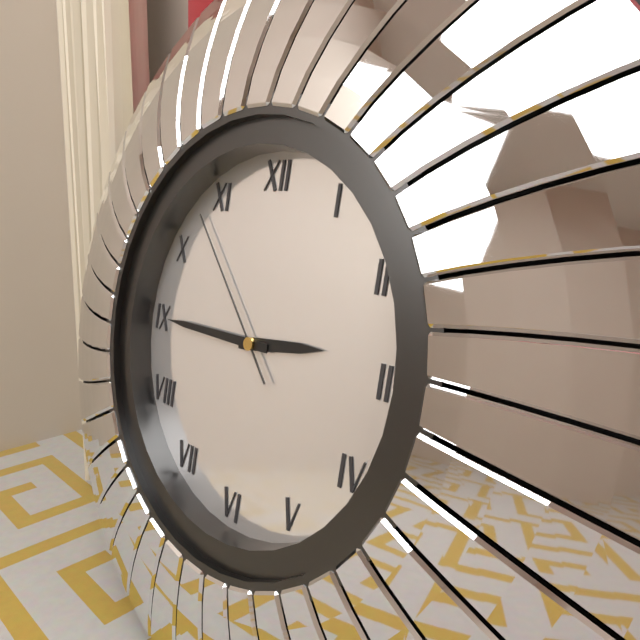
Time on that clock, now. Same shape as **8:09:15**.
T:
**2:45:53**
